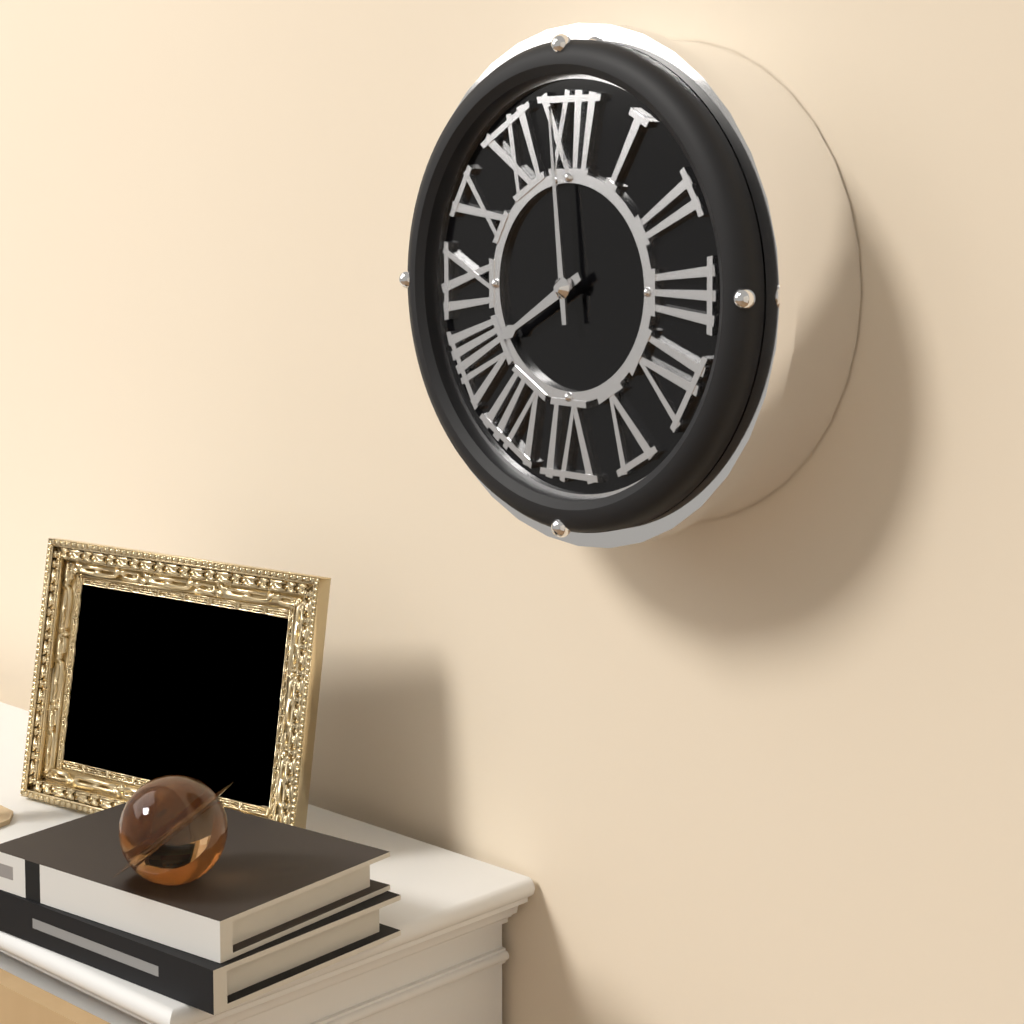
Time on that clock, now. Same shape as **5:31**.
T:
**7:59**
